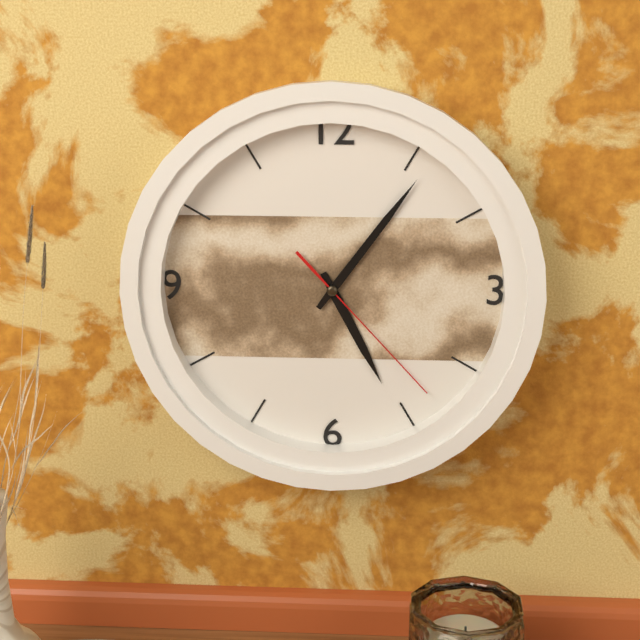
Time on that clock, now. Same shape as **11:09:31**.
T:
**5:06:23**
